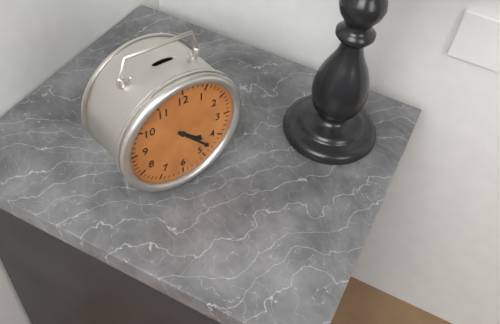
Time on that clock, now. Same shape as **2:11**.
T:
**4:23**
